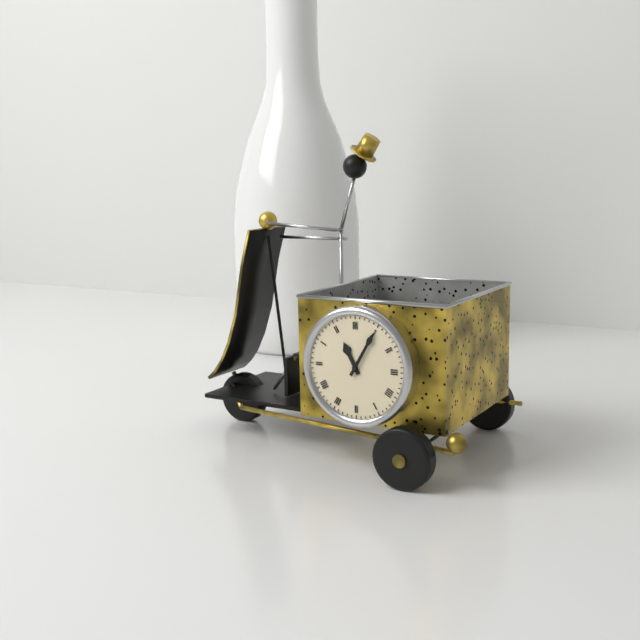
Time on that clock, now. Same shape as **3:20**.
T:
**11:05**
